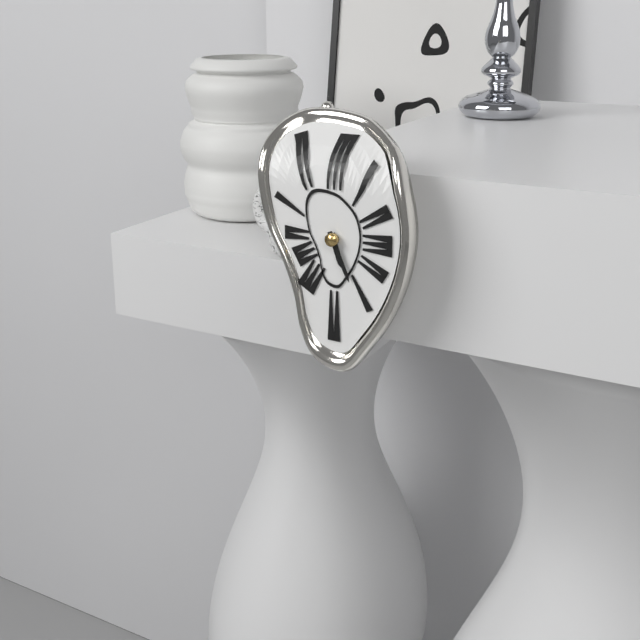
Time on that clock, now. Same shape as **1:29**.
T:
**5:26**
